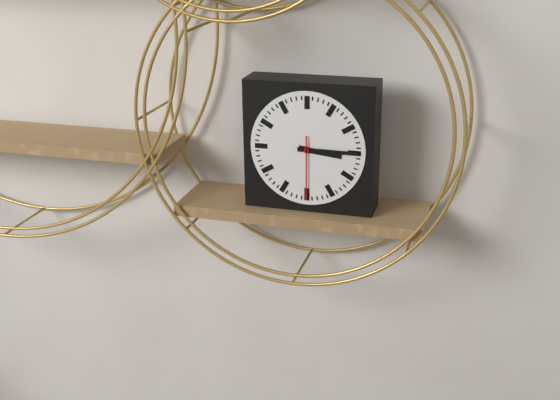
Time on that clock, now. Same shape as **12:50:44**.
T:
**3:15:30**
